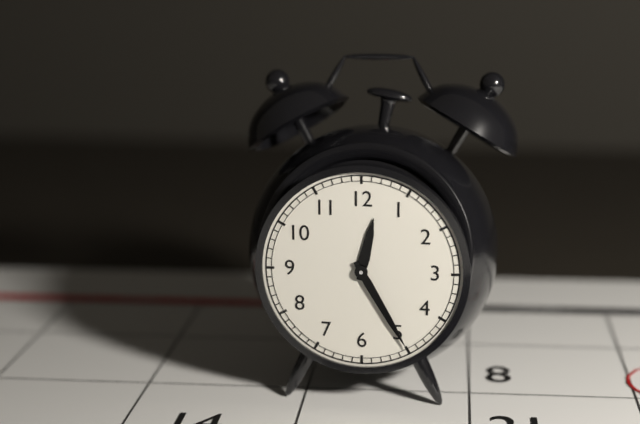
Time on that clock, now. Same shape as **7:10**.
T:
**12:25**
